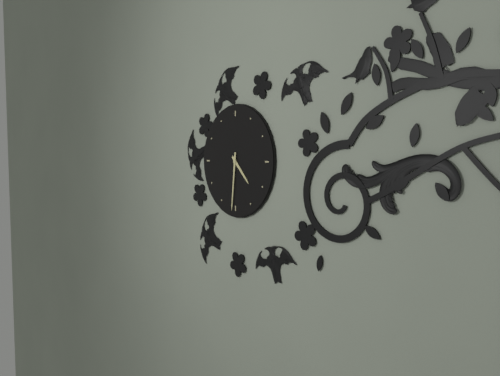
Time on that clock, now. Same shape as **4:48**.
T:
**4:31**
